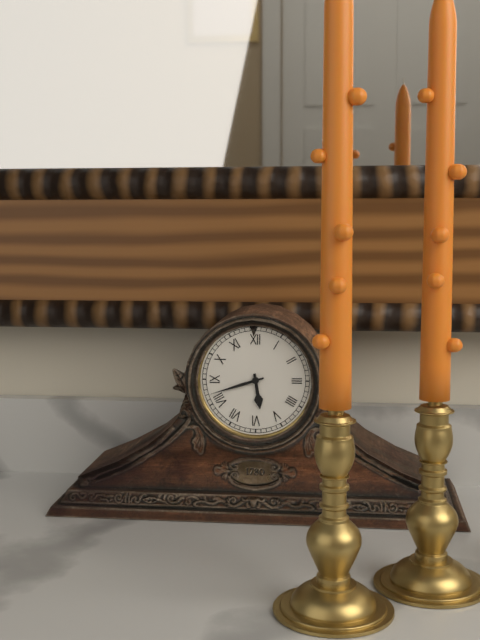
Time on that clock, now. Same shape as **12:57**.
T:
**5:42**
